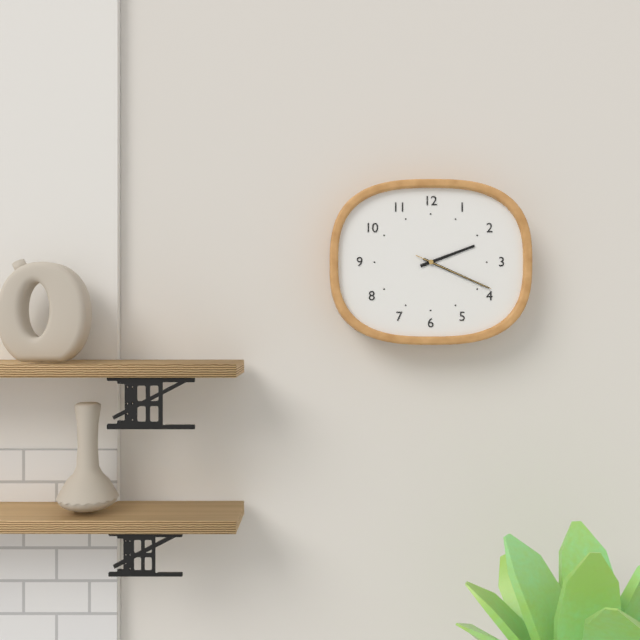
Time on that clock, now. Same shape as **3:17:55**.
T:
**2:19:19**
